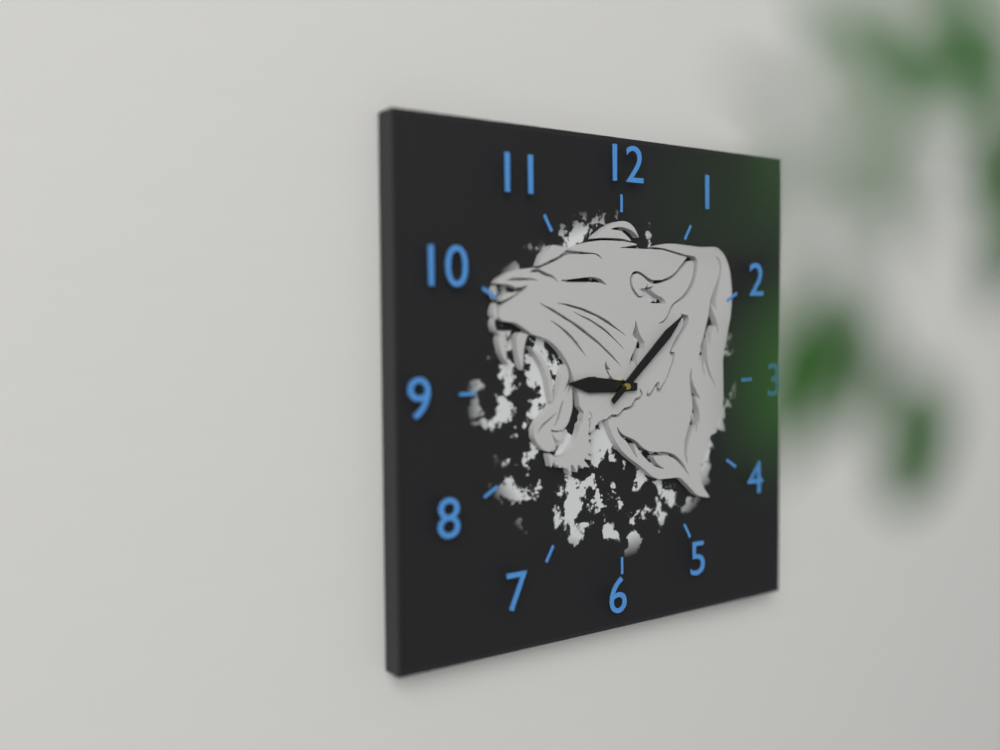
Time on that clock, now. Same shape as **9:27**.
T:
**9:08**
